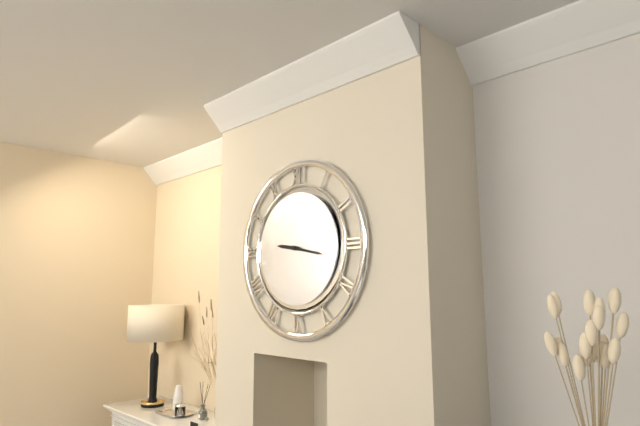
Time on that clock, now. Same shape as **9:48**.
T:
**9:17**
